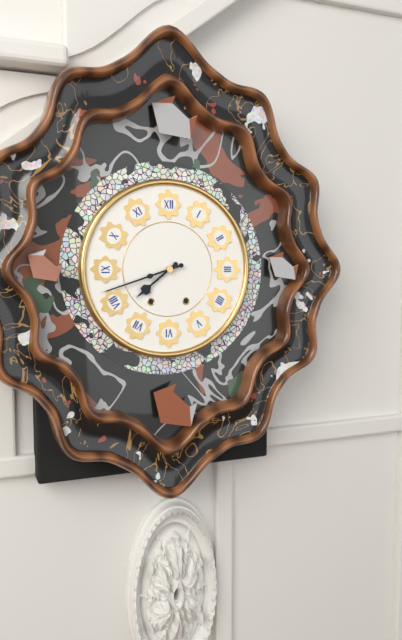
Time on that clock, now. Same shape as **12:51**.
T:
**7:42**
